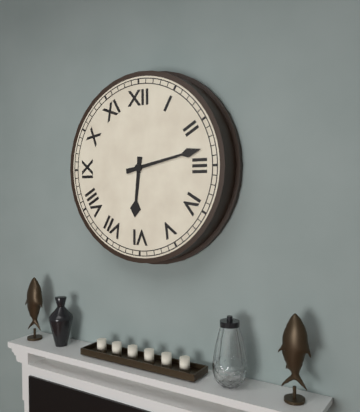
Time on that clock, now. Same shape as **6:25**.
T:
**6:13**
